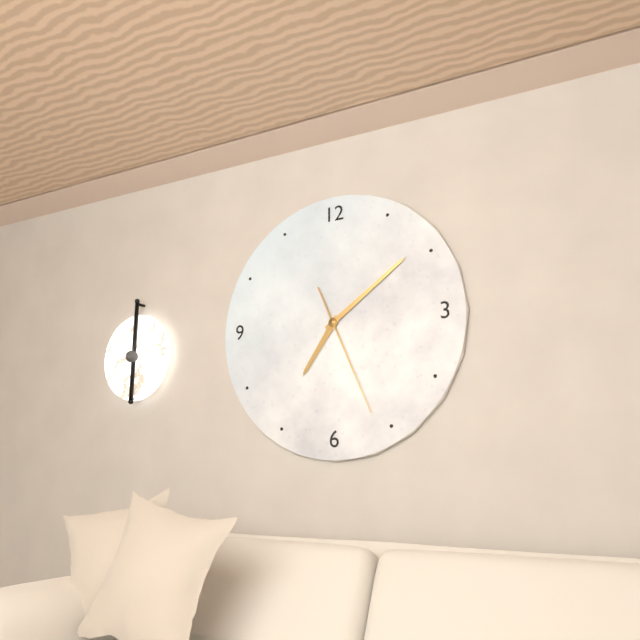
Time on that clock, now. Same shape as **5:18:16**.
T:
**7:09:26**
